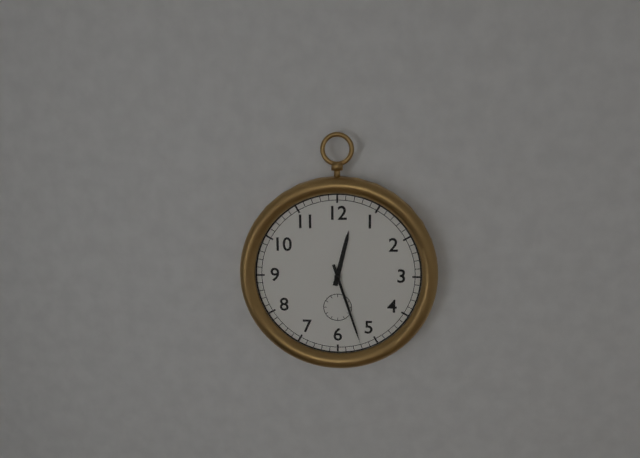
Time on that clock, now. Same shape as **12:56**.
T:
**12:27**
